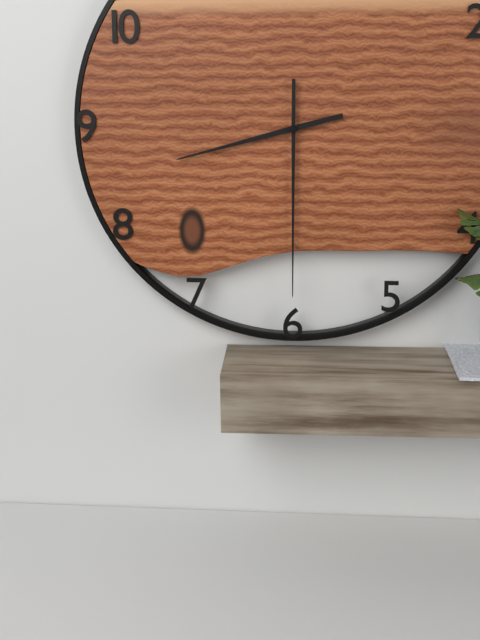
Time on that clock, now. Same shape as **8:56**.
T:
**8:30**
